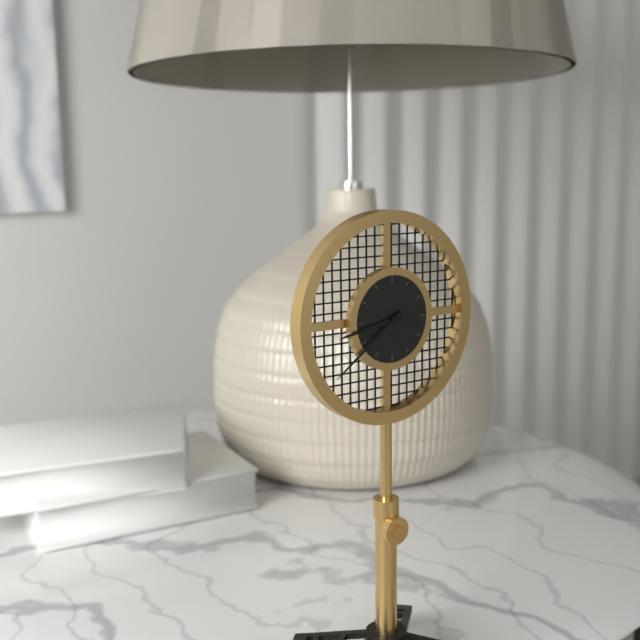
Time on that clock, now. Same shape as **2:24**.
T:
**8:39**
